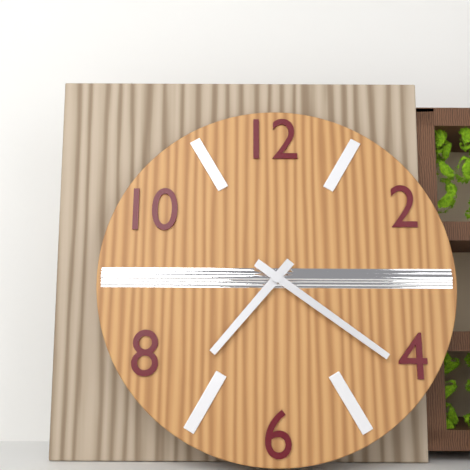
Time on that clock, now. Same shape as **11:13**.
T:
**7:21**
